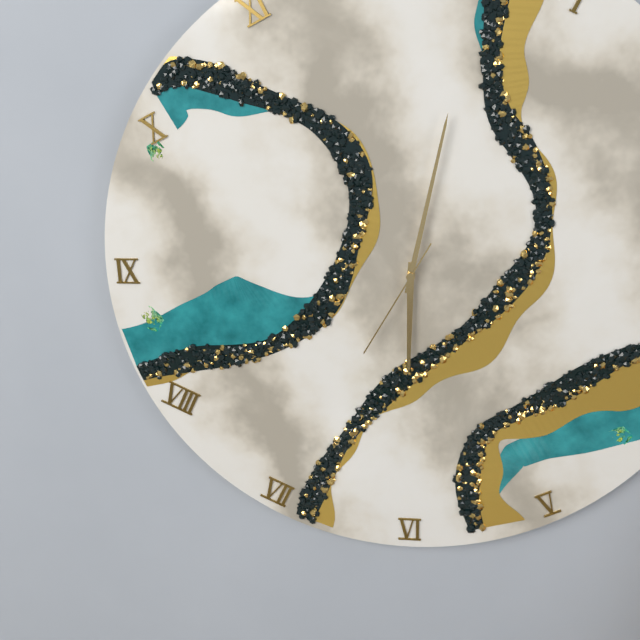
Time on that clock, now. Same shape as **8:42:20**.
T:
**6:02:35**
